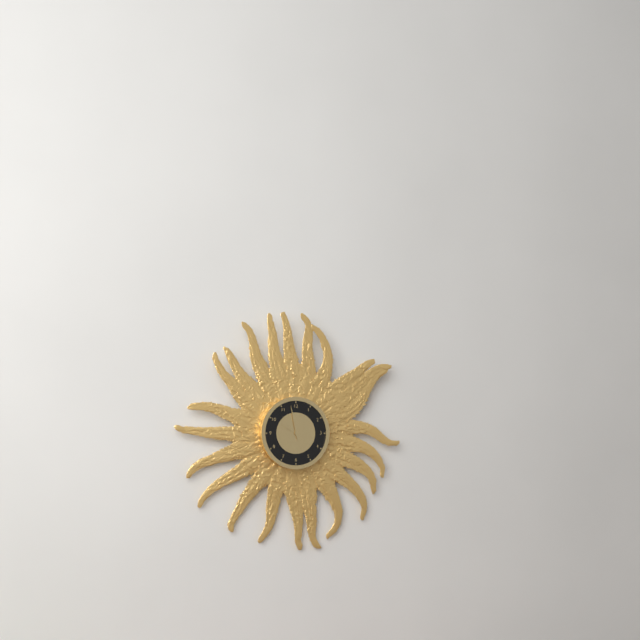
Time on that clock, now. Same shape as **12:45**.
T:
**9:58**
